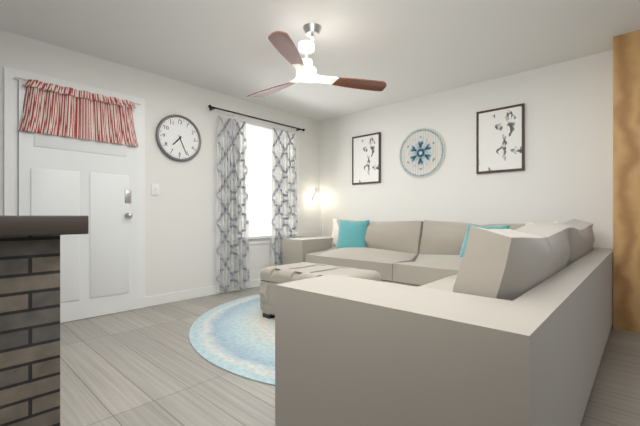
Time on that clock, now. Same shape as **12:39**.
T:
**7:26**
